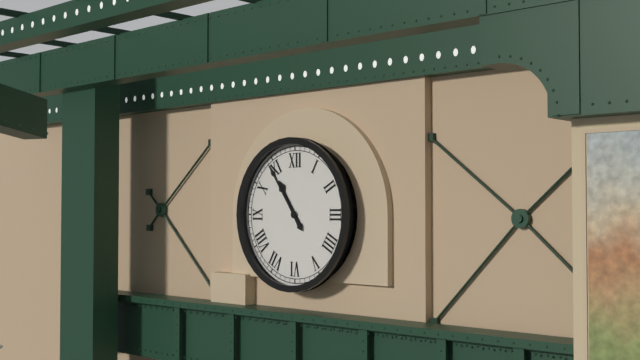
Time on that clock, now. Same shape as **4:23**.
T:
**10:54**
